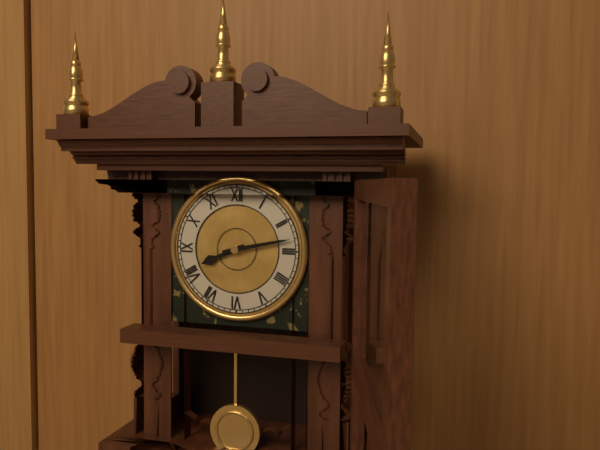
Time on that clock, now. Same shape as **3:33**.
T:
**8:13**
